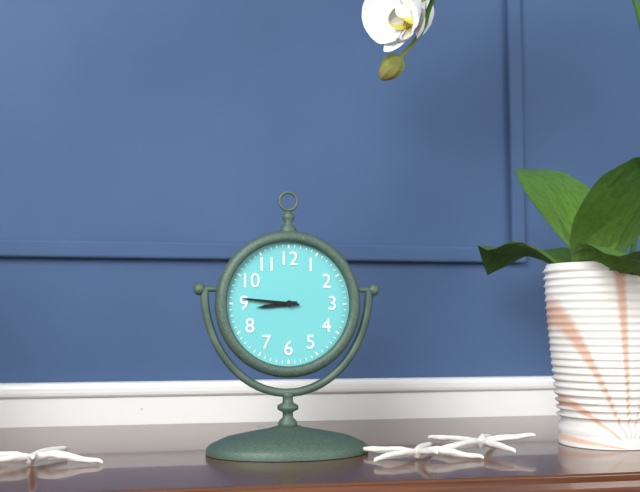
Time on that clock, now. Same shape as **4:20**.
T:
**8:46**
